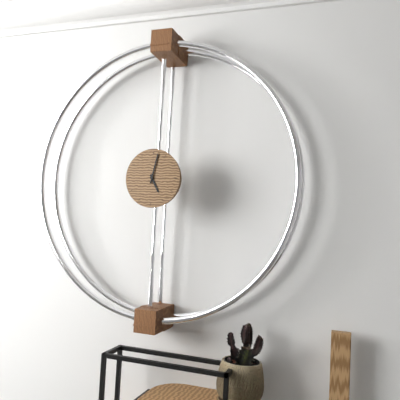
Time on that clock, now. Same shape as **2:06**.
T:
**5:02**
